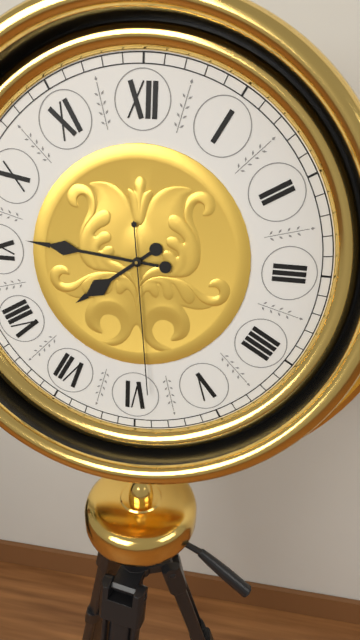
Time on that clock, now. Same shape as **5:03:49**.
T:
**7:46:29**
